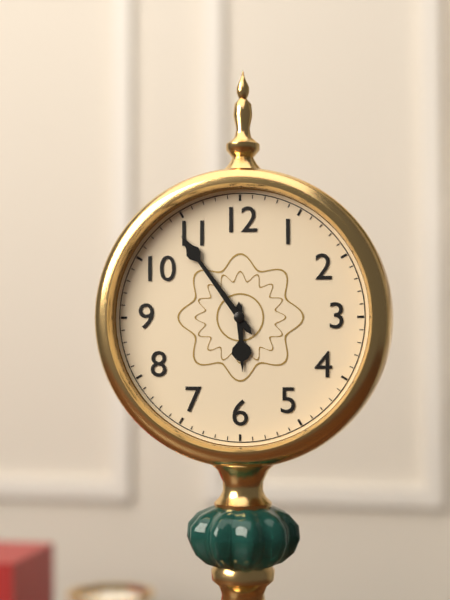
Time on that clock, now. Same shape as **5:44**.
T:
**5:54**
